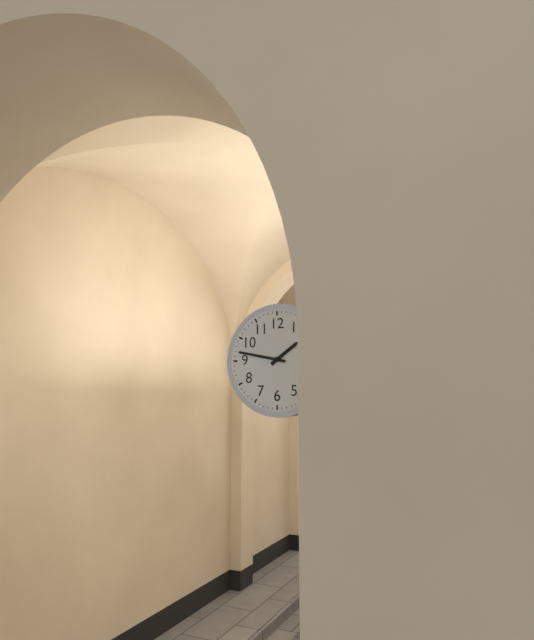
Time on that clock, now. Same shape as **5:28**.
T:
**1:47**
